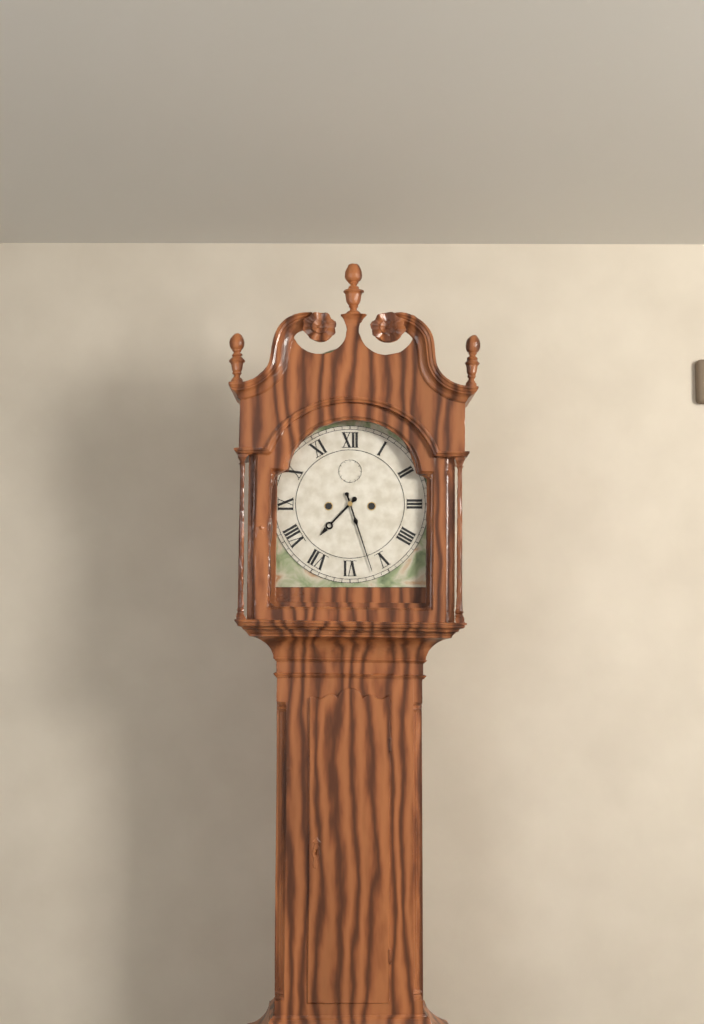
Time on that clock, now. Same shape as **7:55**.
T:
**7:27**
